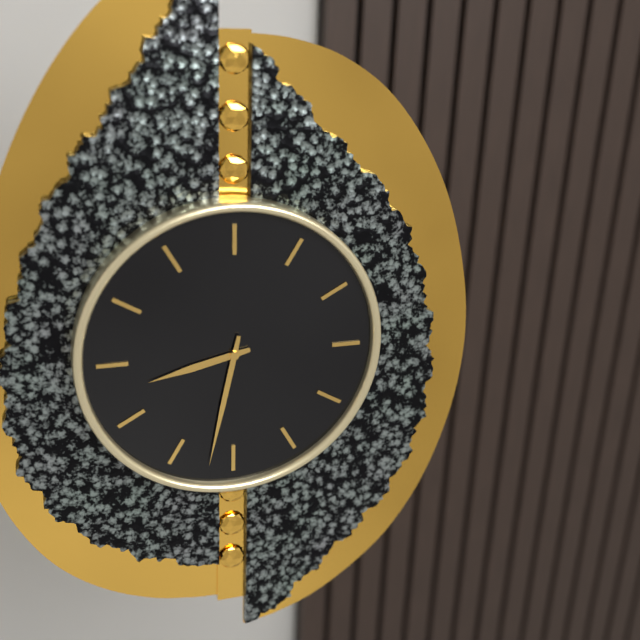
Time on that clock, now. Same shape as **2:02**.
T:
**8:32**
